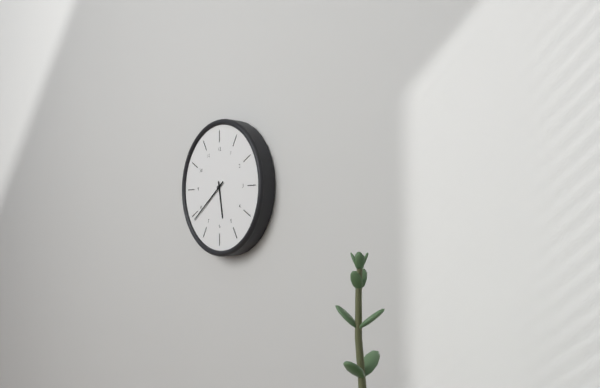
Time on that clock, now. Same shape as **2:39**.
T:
**5:39**
